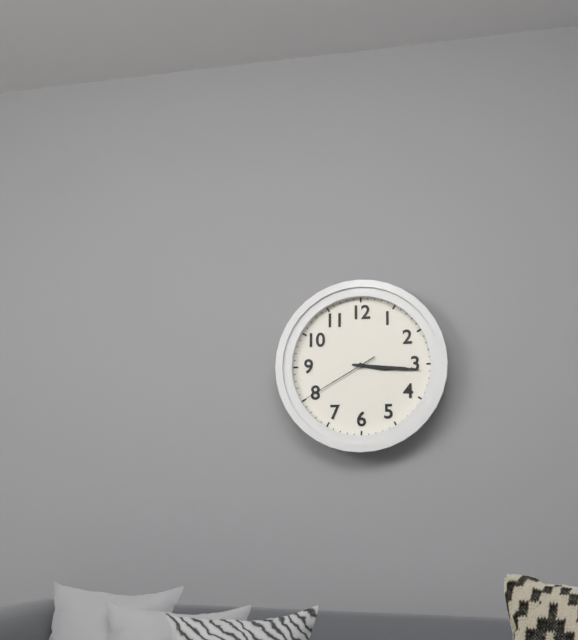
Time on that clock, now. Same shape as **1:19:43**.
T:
**3:16:40**
